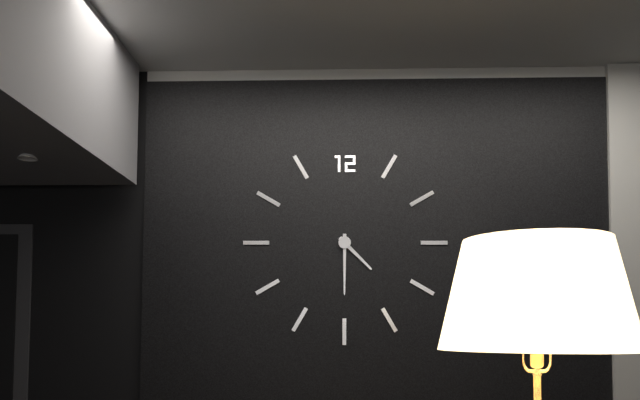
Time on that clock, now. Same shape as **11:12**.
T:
**4:30**
